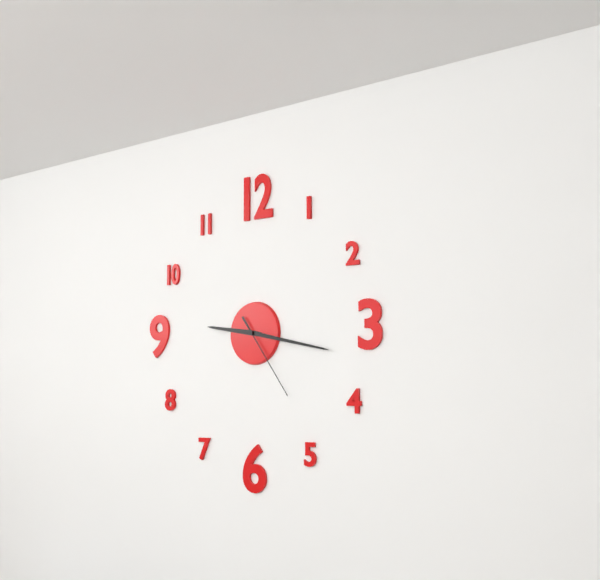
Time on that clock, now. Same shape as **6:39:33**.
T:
**9:17:24**
